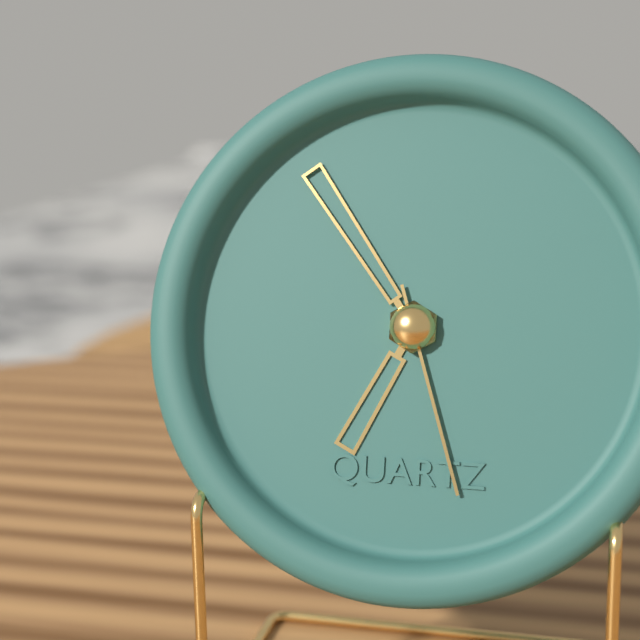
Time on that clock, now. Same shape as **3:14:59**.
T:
**6:54:27**
